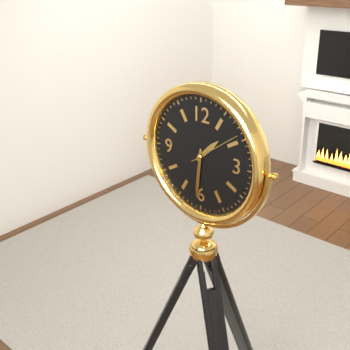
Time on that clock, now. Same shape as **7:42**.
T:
**1:31**
